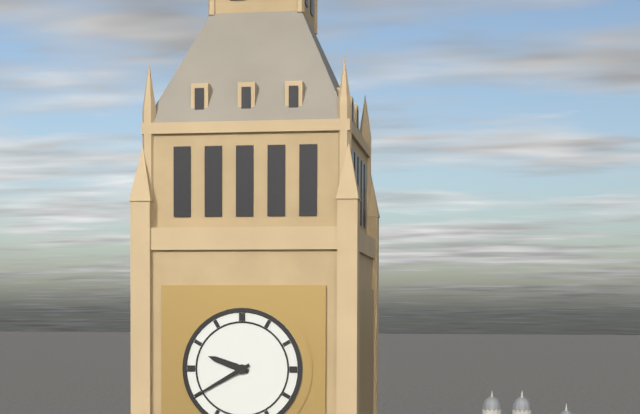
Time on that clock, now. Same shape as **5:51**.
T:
**9:40**
